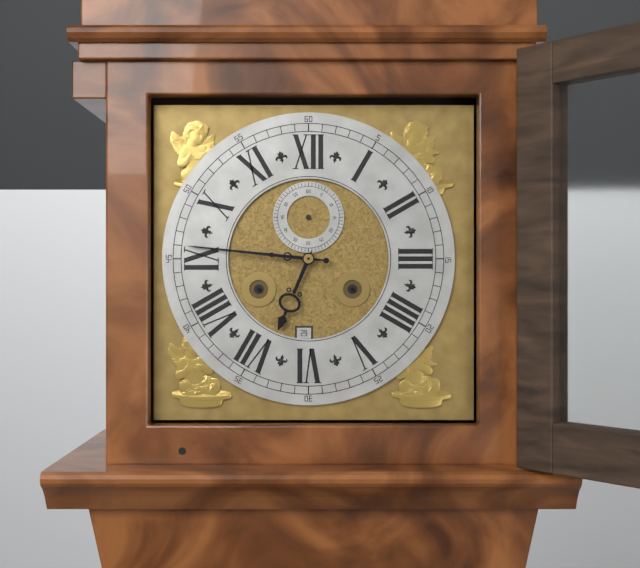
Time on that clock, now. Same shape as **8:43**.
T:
**6:46**
